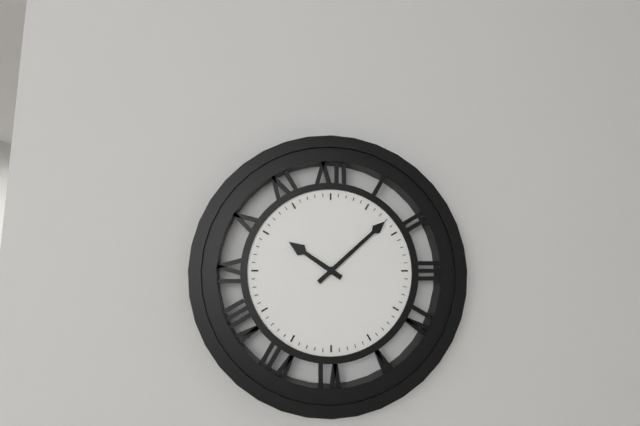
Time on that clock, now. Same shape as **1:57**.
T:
**10:08**
